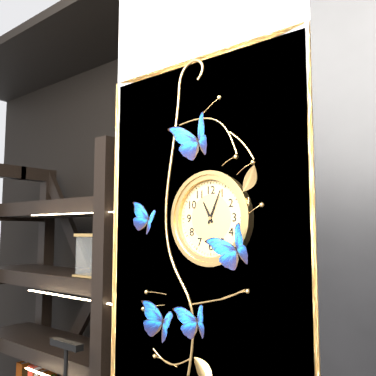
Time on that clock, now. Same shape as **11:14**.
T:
**11:04**
